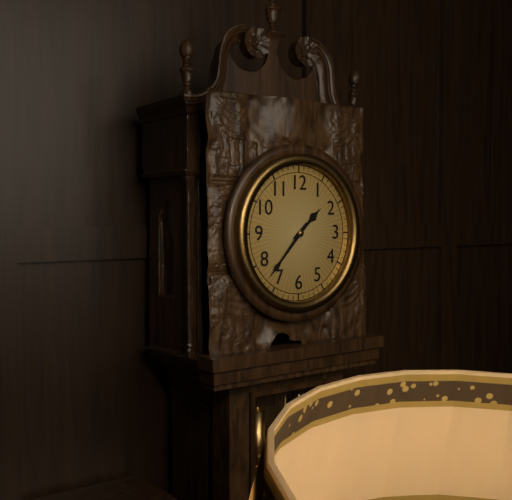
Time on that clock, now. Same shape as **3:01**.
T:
**1:37**
